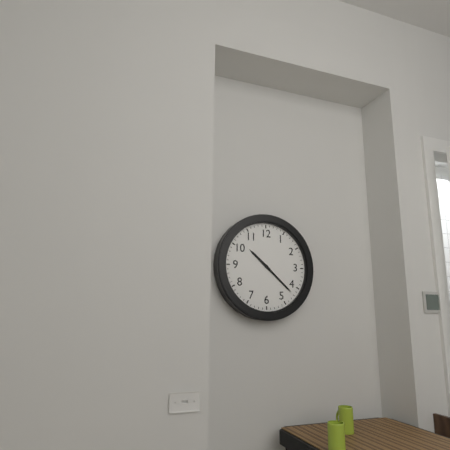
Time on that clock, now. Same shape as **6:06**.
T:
**10:22**
